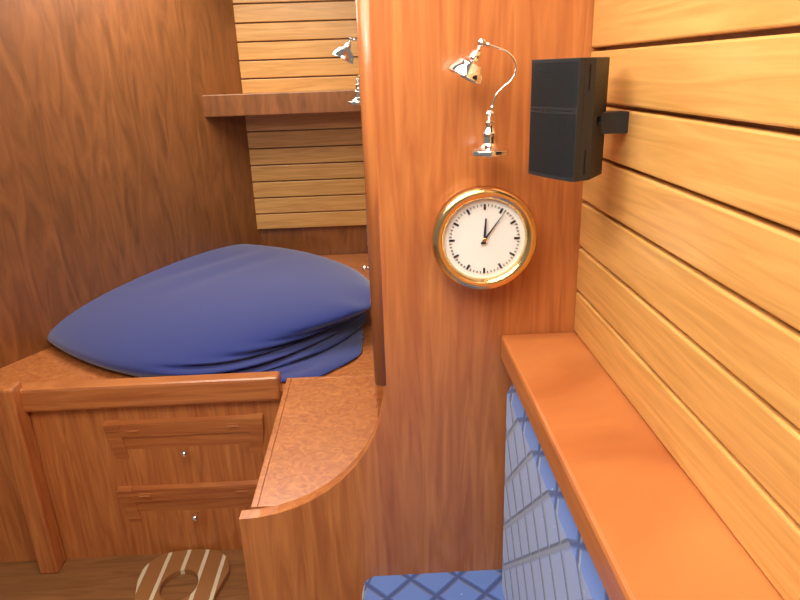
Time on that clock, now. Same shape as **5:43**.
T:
**12:06**
